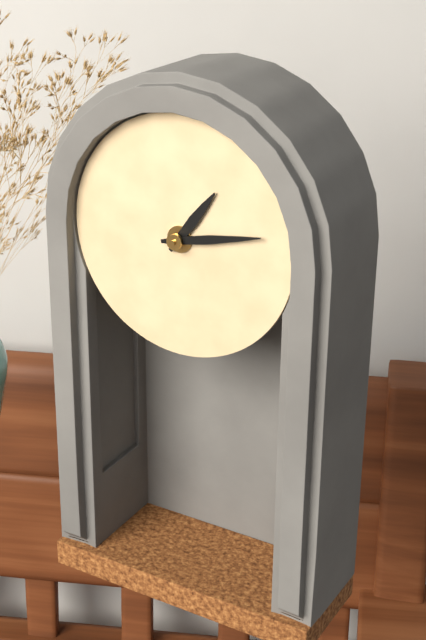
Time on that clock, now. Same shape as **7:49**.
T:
**1:13**
